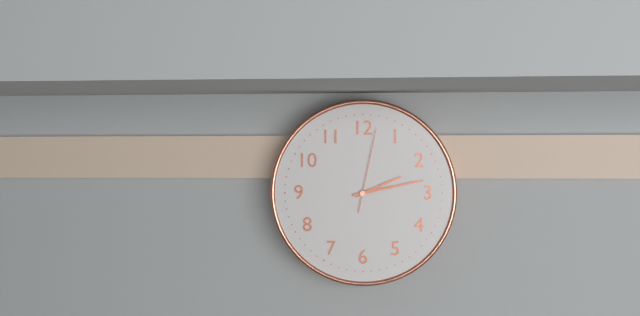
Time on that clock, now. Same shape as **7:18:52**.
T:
**2:13:02**
